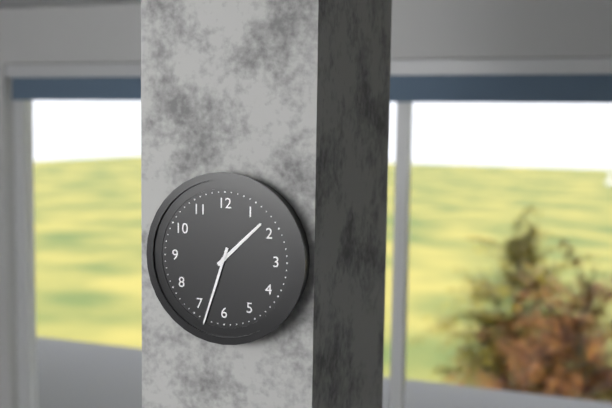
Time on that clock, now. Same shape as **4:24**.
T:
**1:33**
